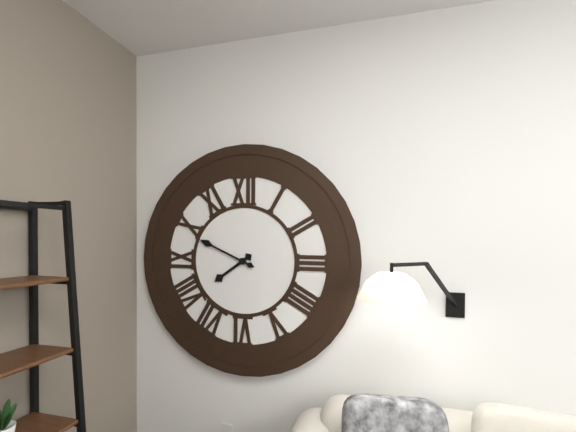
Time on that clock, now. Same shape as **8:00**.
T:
**7:49**
